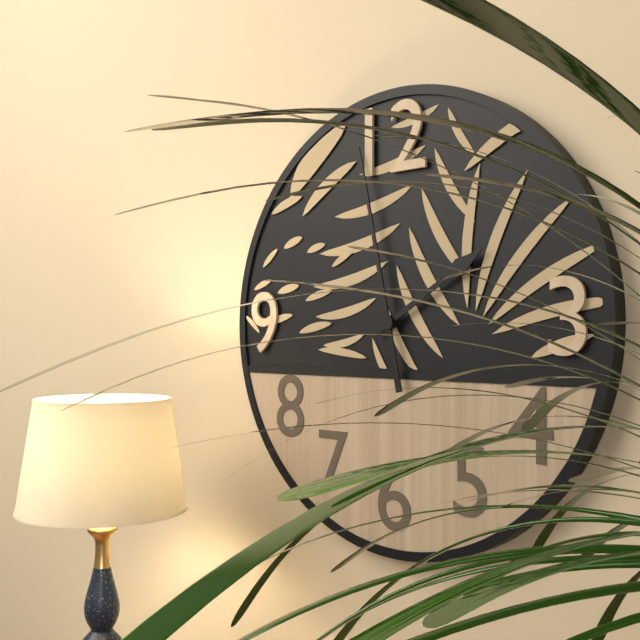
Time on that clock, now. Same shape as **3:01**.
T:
**1:58**
